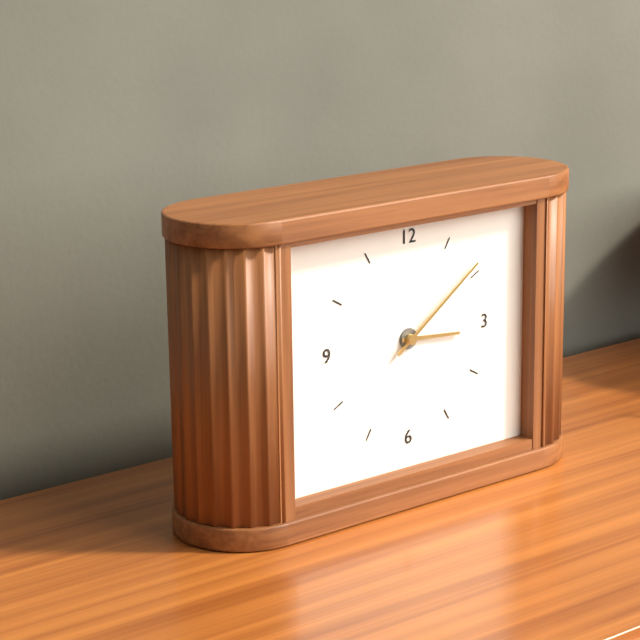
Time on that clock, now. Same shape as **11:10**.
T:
**3:09**
